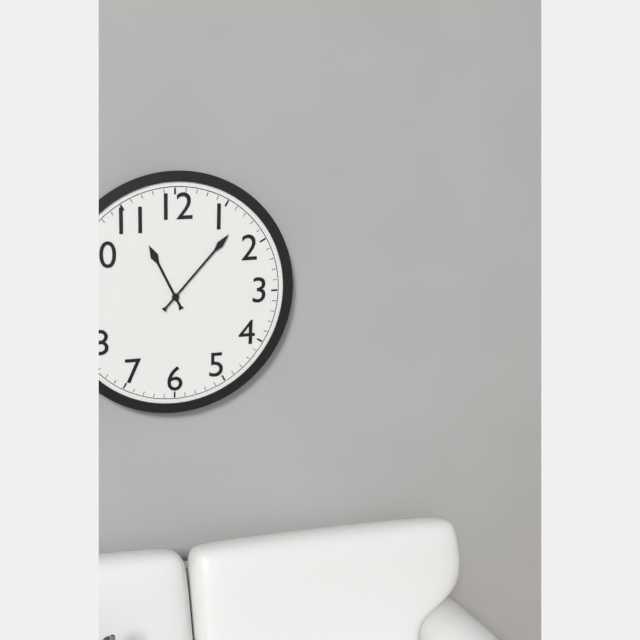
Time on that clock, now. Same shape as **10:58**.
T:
**11:07**
